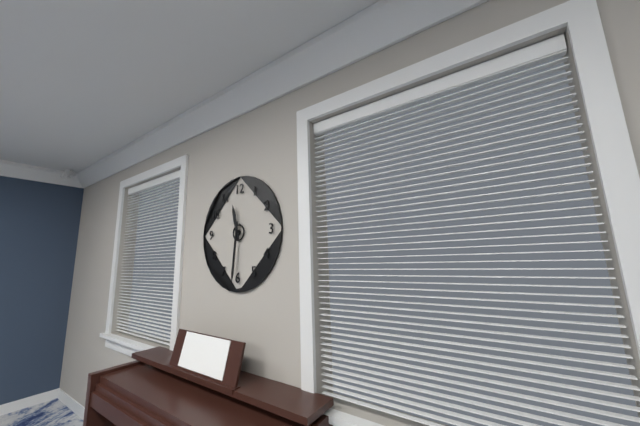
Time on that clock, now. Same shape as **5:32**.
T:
**11:31**
